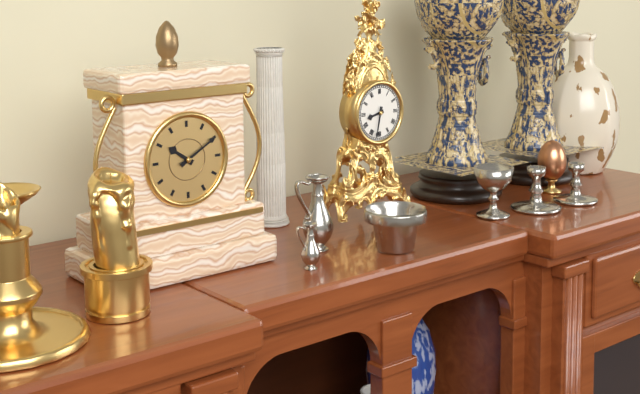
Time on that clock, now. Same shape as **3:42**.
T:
**8:32**
